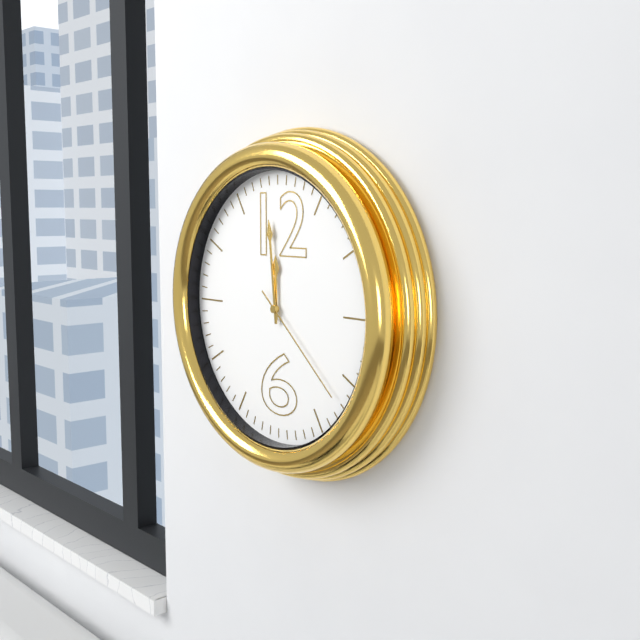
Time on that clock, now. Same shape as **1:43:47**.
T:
**11:59:22**
